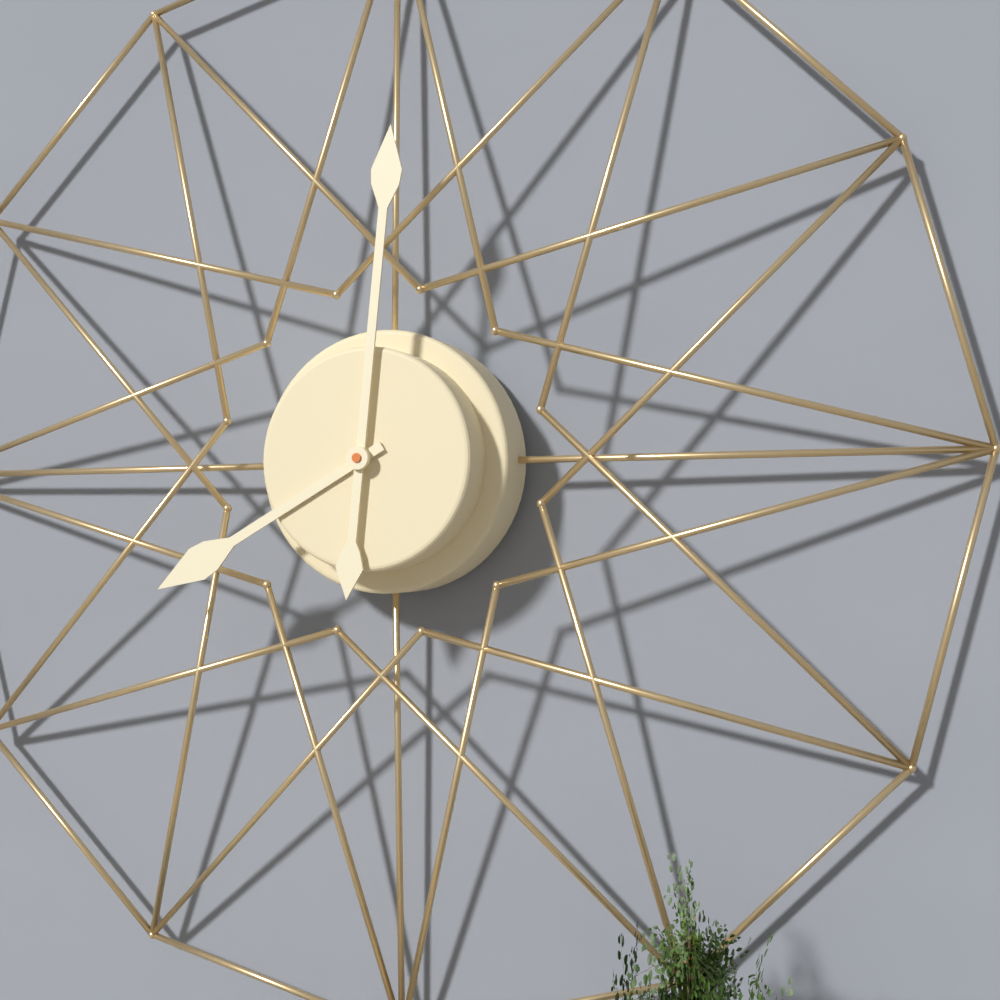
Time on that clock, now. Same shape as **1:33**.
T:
**8:01**
